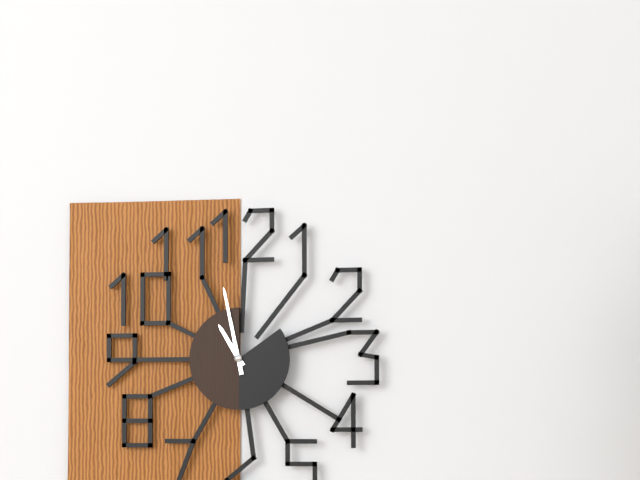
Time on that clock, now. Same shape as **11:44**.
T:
**10:58**
